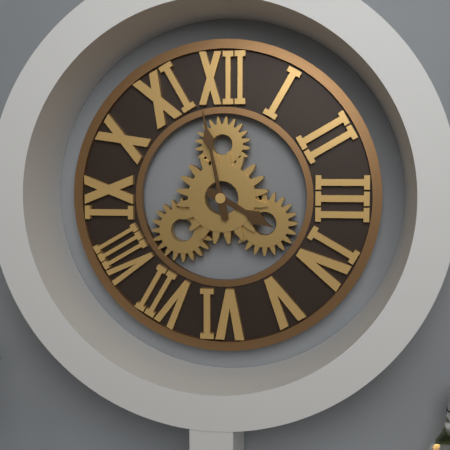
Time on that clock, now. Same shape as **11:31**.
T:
**3:58**
